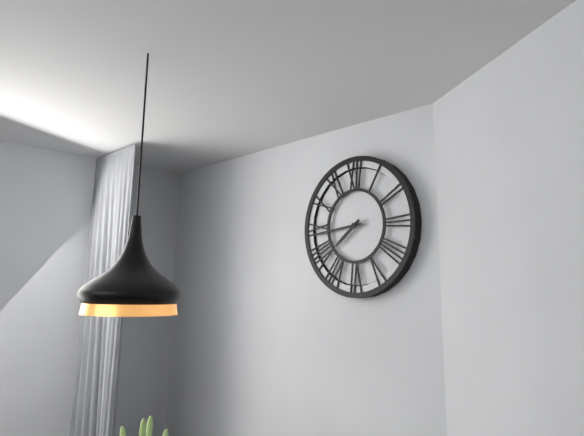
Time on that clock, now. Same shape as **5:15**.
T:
**7:44**
